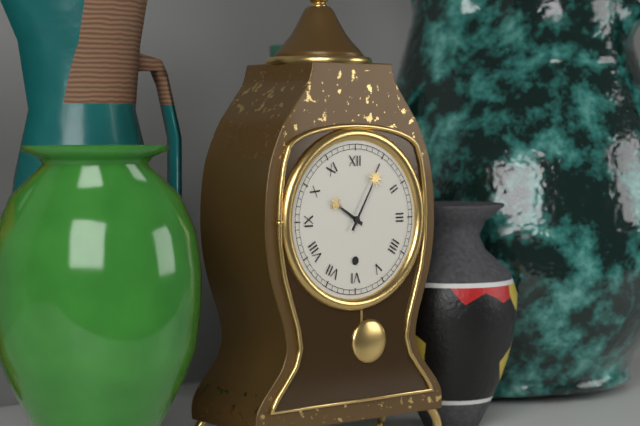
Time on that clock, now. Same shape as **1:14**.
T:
**10:05**
